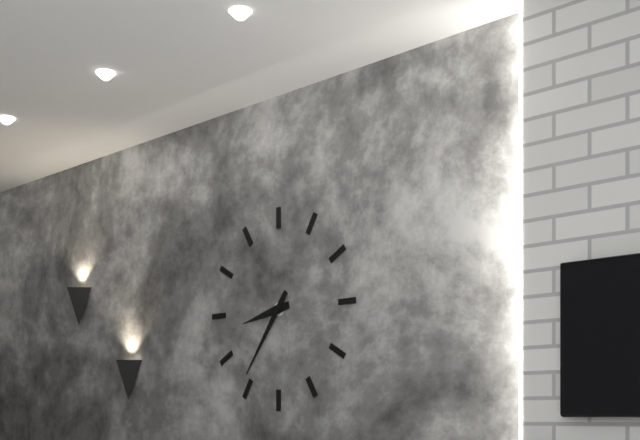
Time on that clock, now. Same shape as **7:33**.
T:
**8:36**
